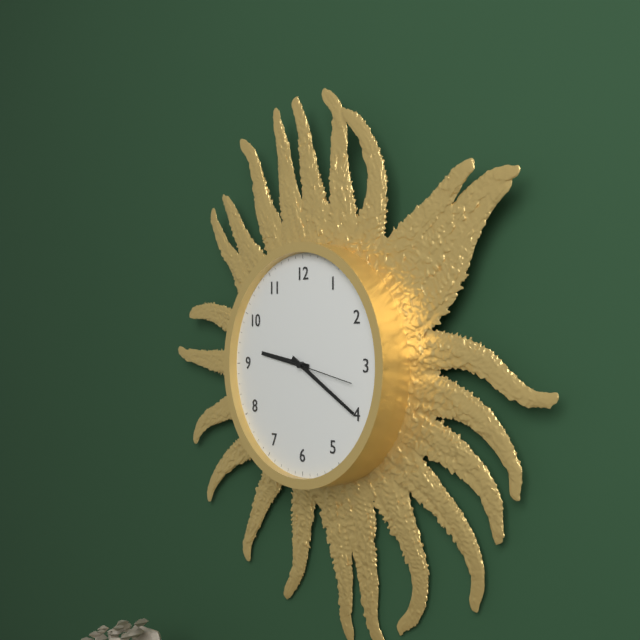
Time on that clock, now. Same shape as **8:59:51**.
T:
**9:20:17**
